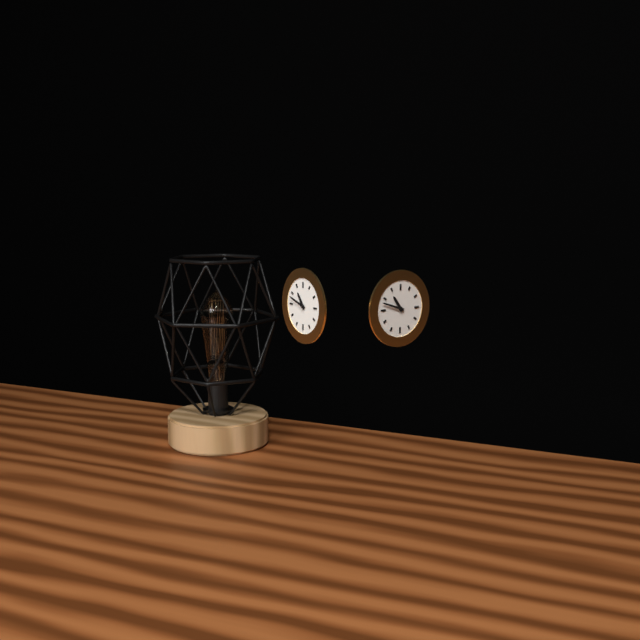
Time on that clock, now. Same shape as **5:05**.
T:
**10:48**
